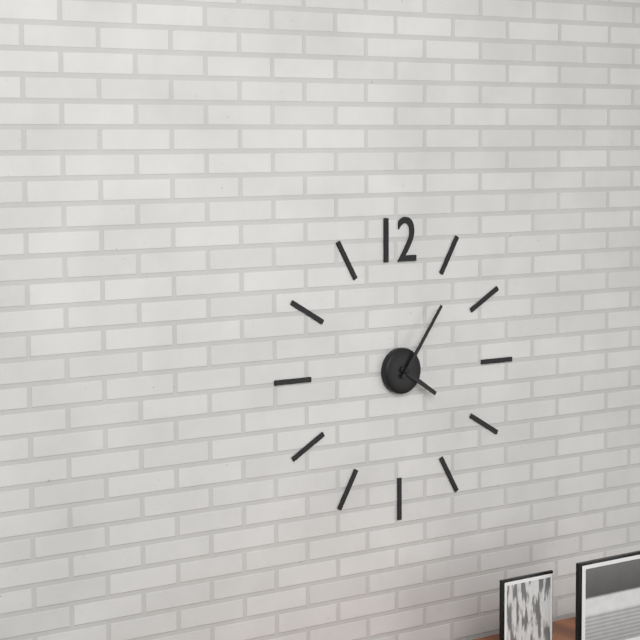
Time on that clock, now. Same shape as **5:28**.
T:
**4:06**
